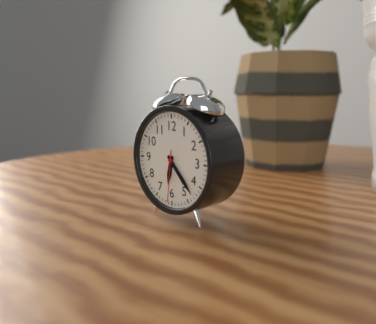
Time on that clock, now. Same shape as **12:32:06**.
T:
**6:23:31**
